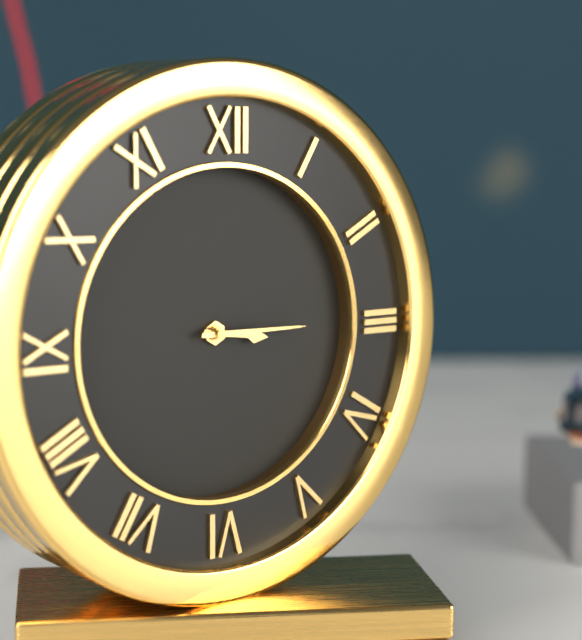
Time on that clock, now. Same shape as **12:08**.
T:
**3:15**
